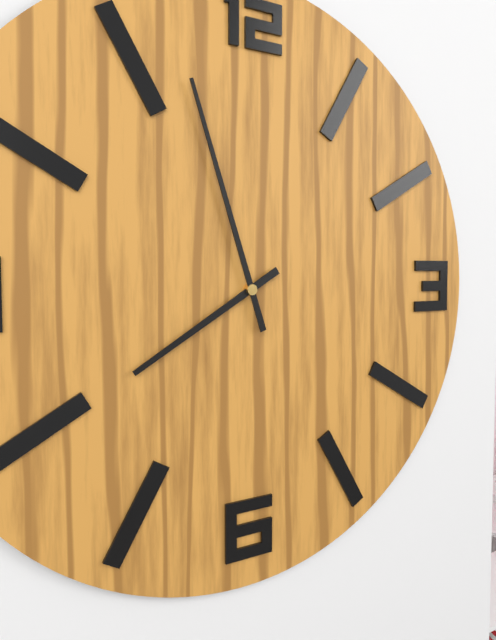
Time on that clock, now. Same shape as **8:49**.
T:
**7:57**
